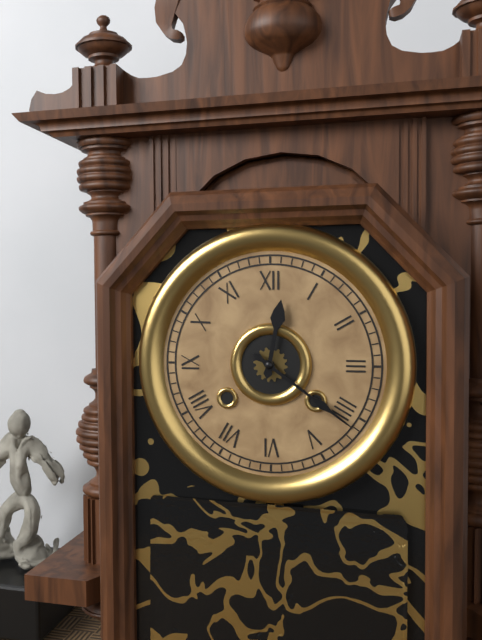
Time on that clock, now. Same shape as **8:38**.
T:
**12:21**
